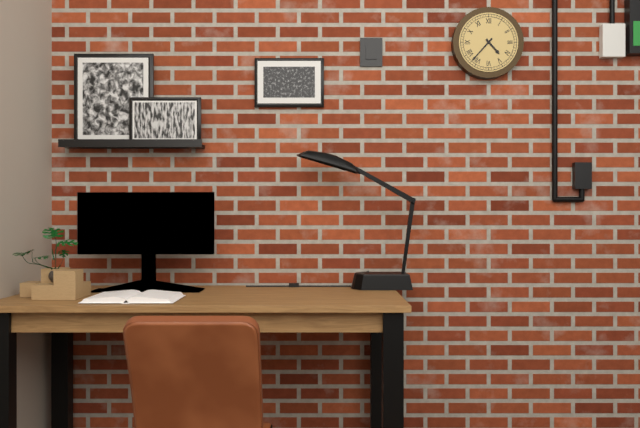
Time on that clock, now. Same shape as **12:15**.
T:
**4:37**
